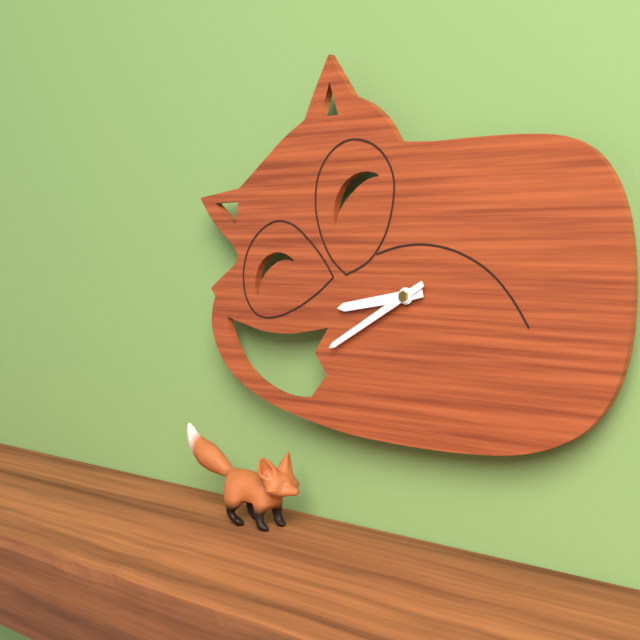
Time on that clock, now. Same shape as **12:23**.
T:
**8:40**
